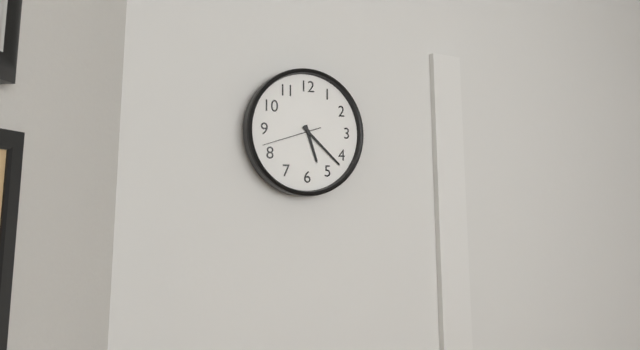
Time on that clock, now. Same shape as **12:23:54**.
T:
**5:22:42**
